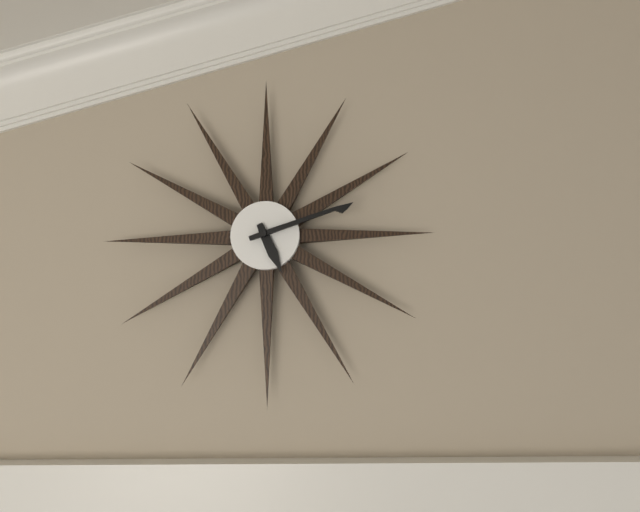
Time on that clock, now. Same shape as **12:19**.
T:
**5:12**
